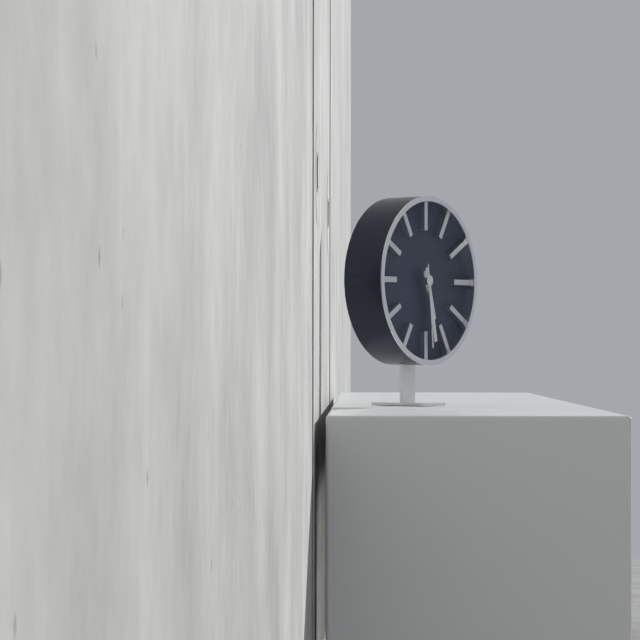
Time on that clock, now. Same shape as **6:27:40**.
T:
**5:28:29**
